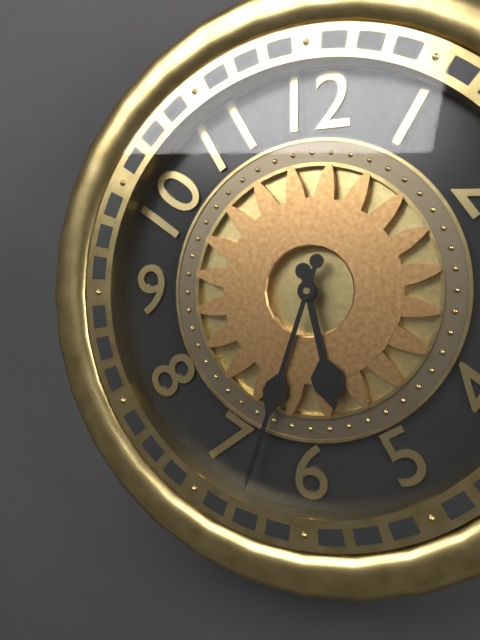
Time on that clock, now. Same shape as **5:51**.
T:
**5:33**
